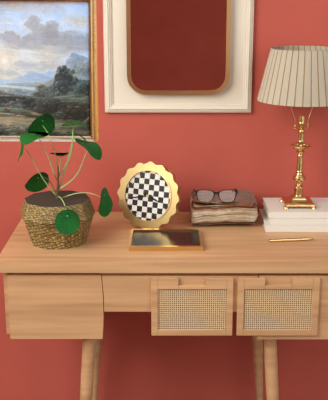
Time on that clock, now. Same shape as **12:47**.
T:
**3:43**
